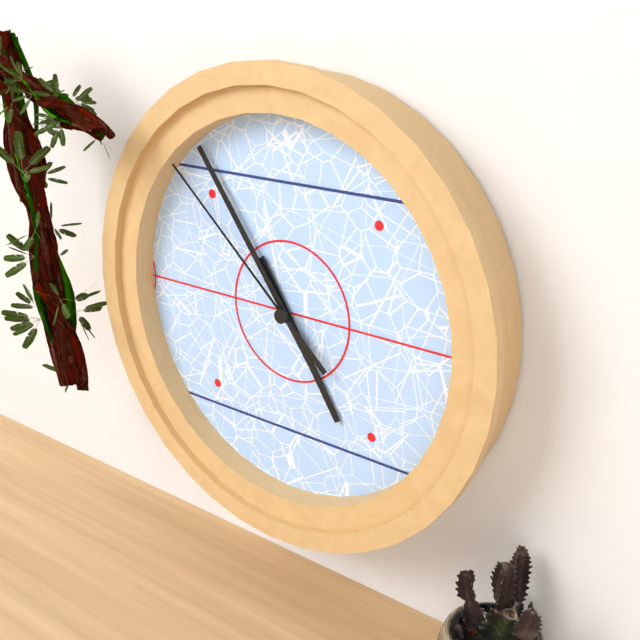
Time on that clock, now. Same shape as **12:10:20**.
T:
**4:54:52**
